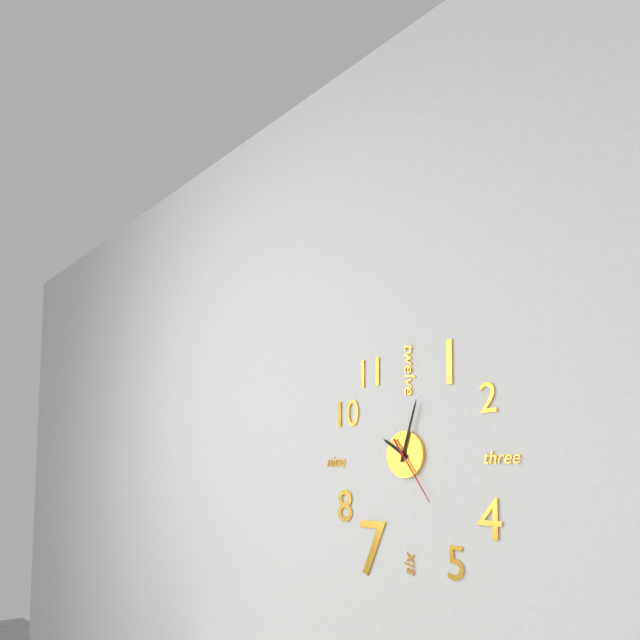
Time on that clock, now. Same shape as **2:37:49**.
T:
**10:03:24**
